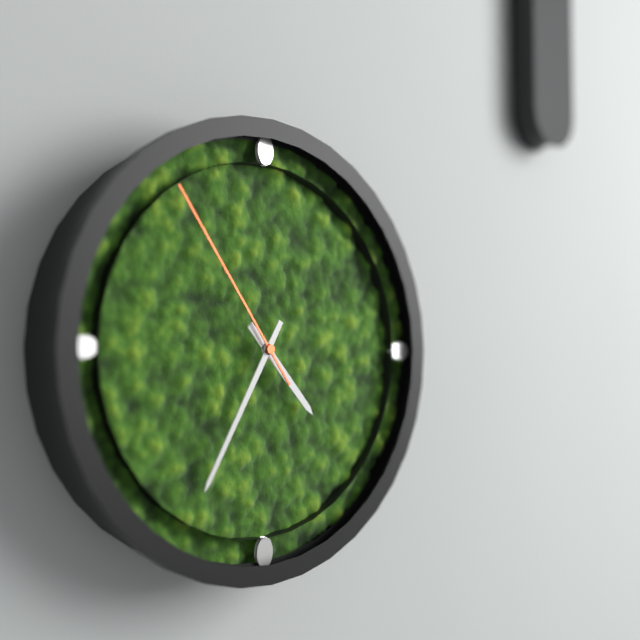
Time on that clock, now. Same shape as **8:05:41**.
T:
**4:35:54**
